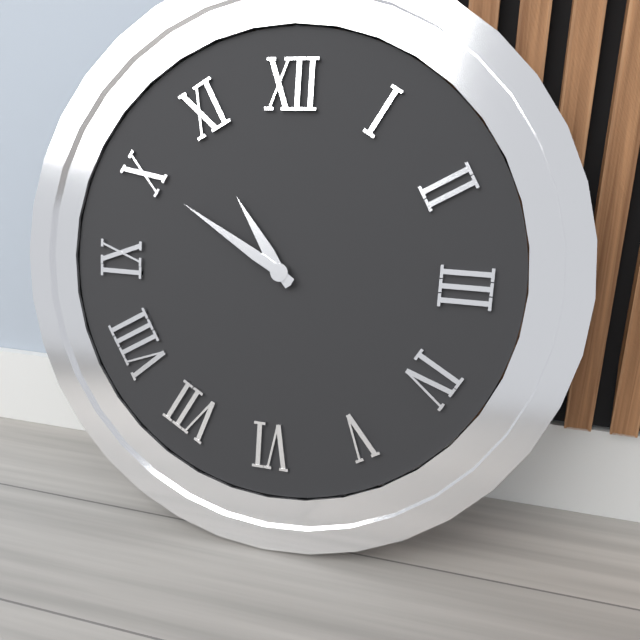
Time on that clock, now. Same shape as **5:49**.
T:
**10:50**
